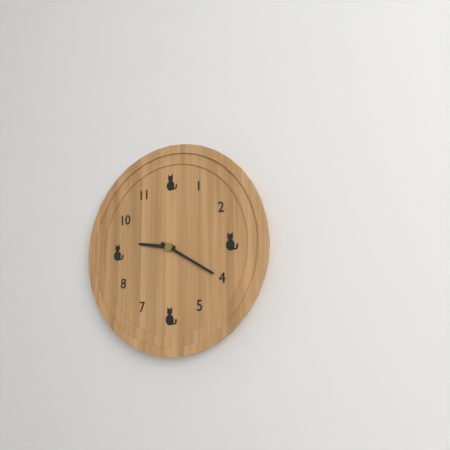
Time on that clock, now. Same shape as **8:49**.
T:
**9:20**
